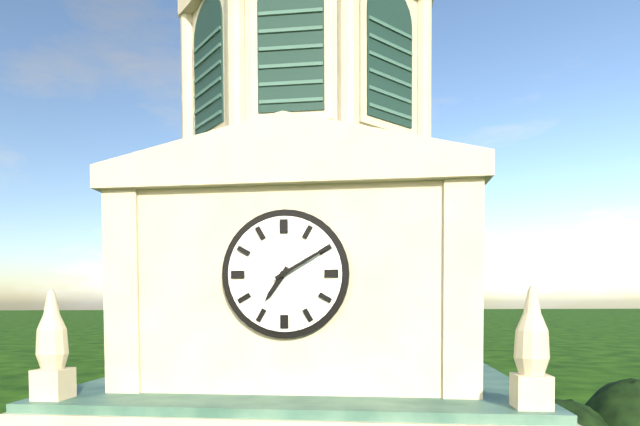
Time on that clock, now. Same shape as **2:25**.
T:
**7:10**
